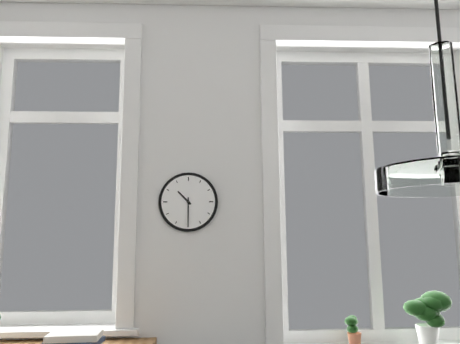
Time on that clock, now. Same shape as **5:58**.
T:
**10:30**
